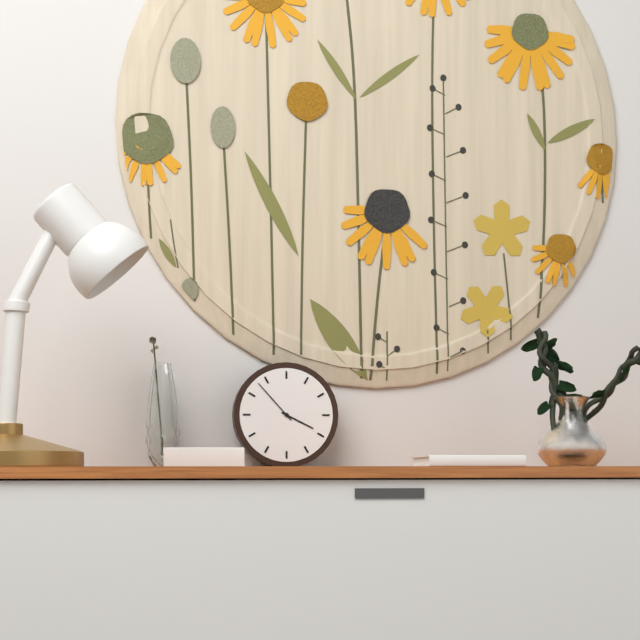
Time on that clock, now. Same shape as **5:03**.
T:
**3:53**
